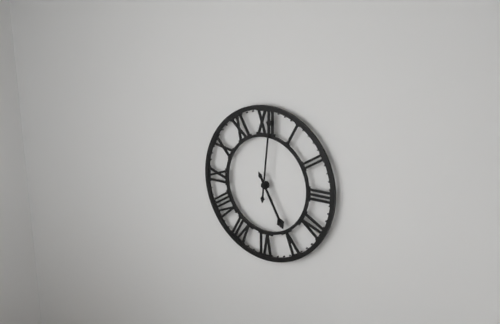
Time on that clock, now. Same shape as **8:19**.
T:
**5:01**
